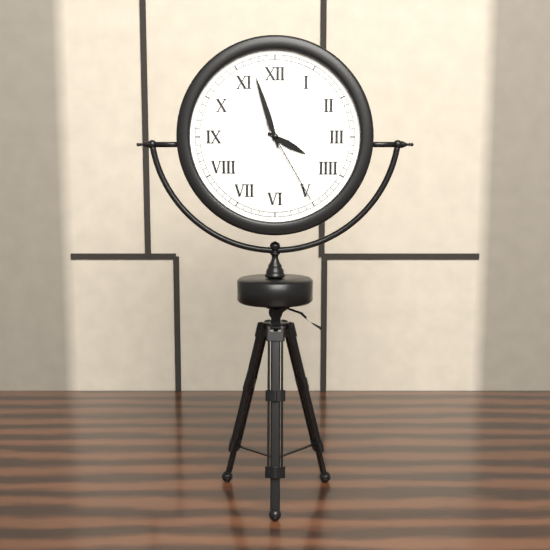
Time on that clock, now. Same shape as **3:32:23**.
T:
**3:57:25**
